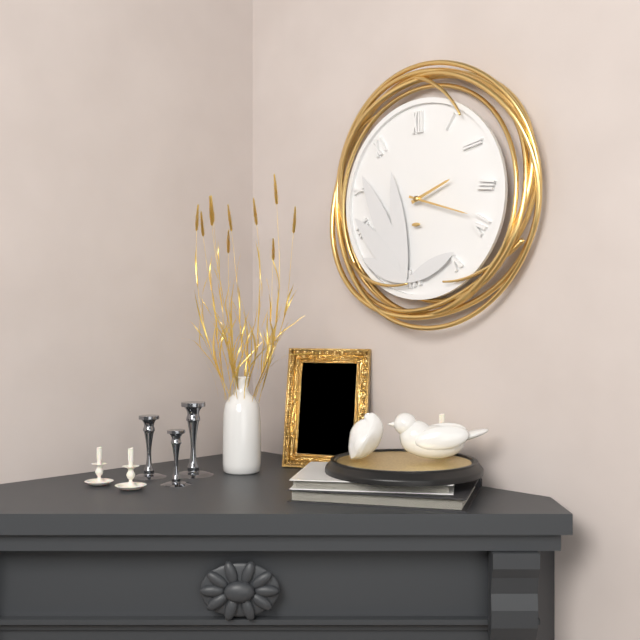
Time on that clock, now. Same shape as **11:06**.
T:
**2:18**
